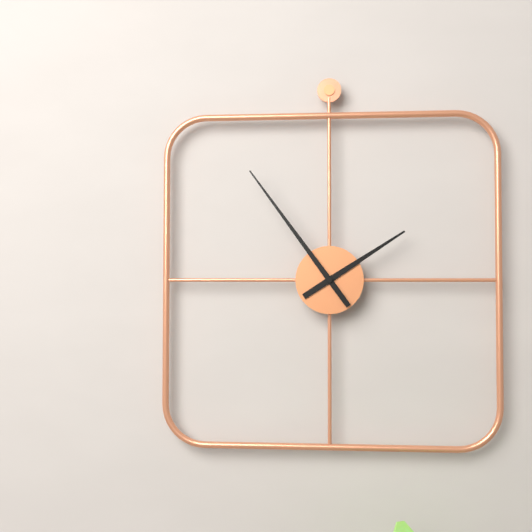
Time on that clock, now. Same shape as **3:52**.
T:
**1:54**
